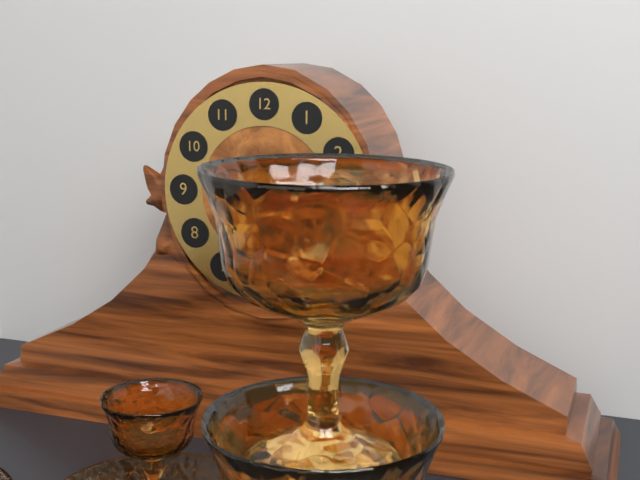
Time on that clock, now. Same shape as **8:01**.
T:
**4:26**
